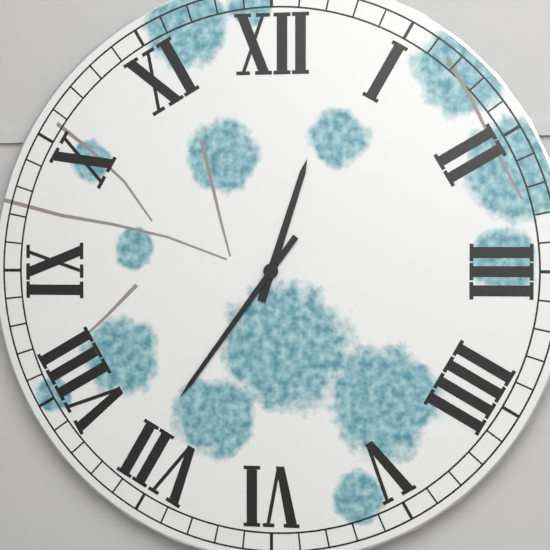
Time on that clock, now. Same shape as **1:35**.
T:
**12:36**
